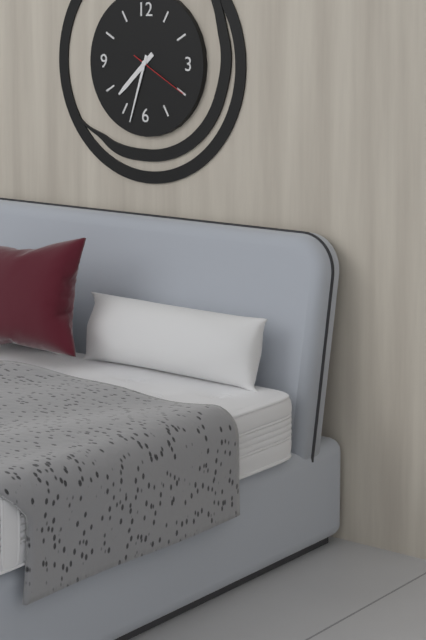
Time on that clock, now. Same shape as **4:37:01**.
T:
**7:33:20**
